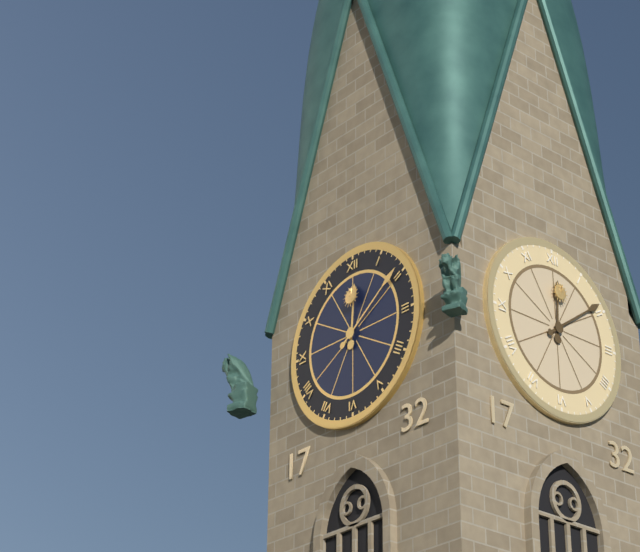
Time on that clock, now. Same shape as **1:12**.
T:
**12:09**
